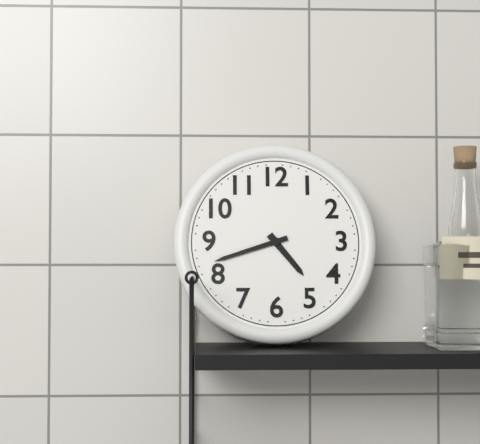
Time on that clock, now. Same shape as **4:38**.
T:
**4:42**
